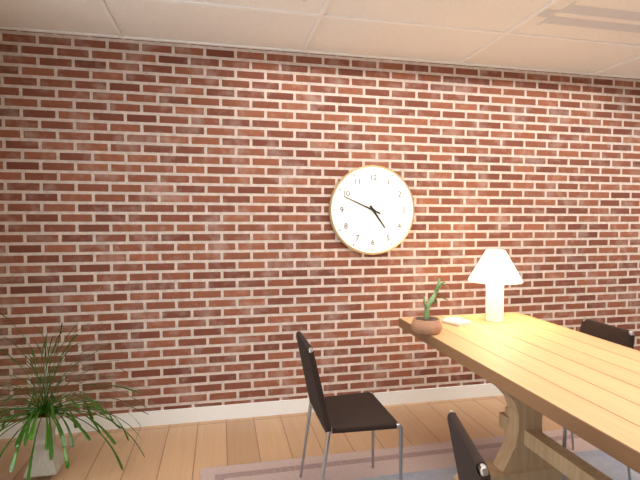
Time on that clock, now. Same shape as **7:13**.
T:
**4:49**
